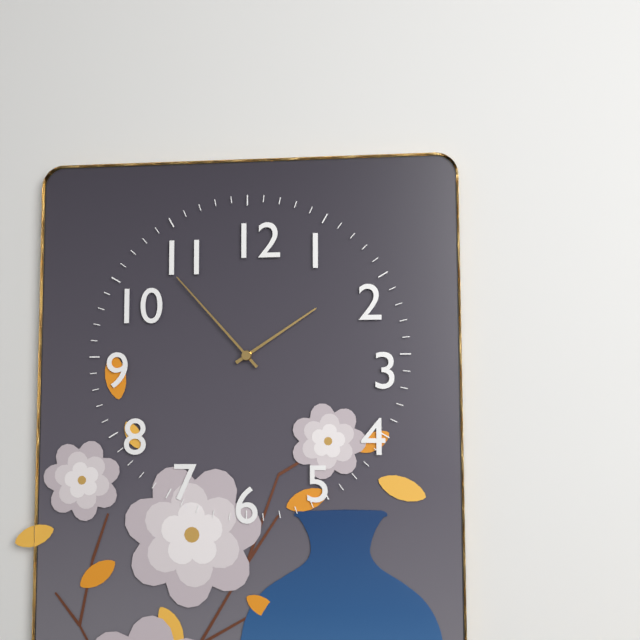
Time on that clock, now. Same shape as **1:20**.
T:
**1:53**
